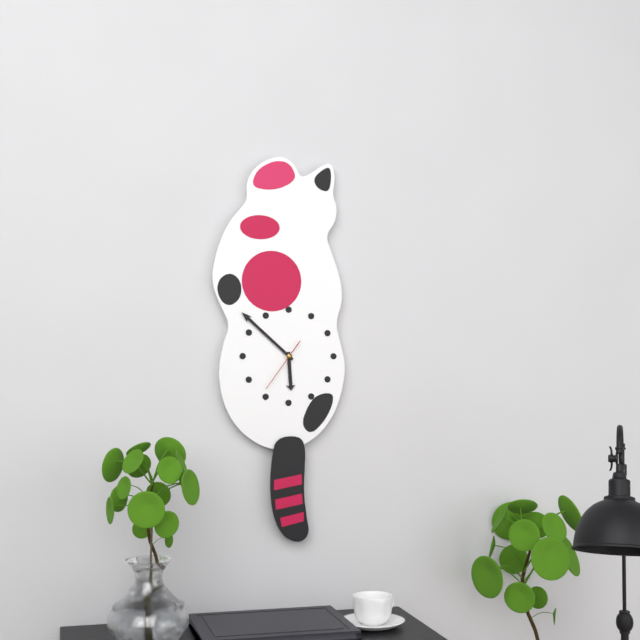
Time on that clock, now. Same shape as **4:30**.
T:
**5:52**
